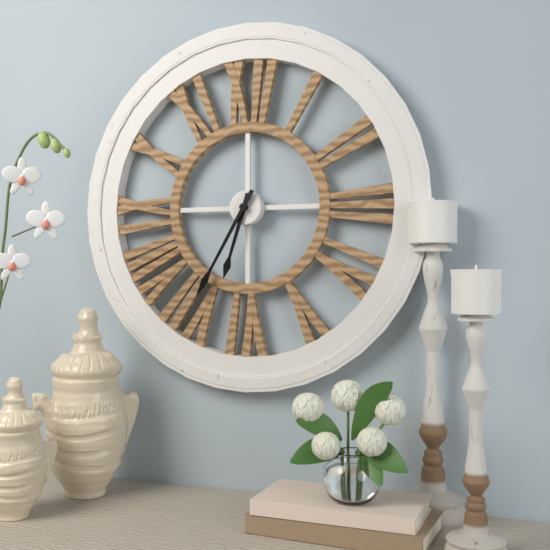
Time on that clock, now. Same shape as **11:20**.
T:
**6:35**
